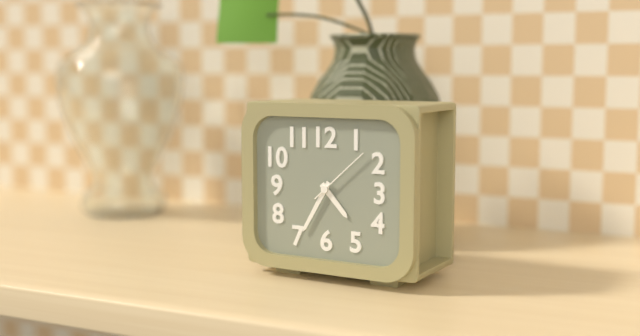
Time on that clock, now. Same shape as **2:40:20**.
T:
**4:35:08**
